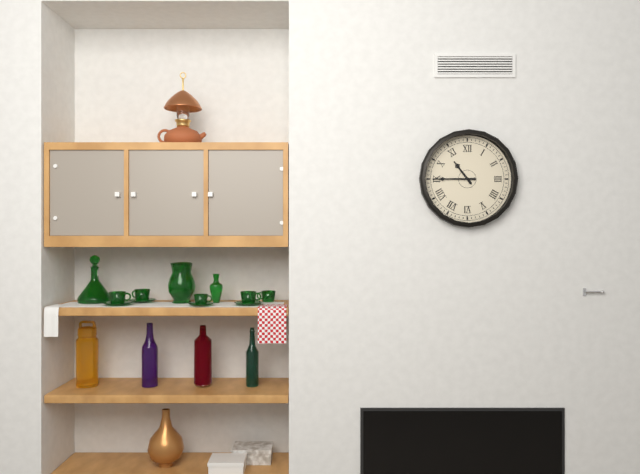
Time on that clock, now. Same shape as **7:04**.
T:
**10:45**
